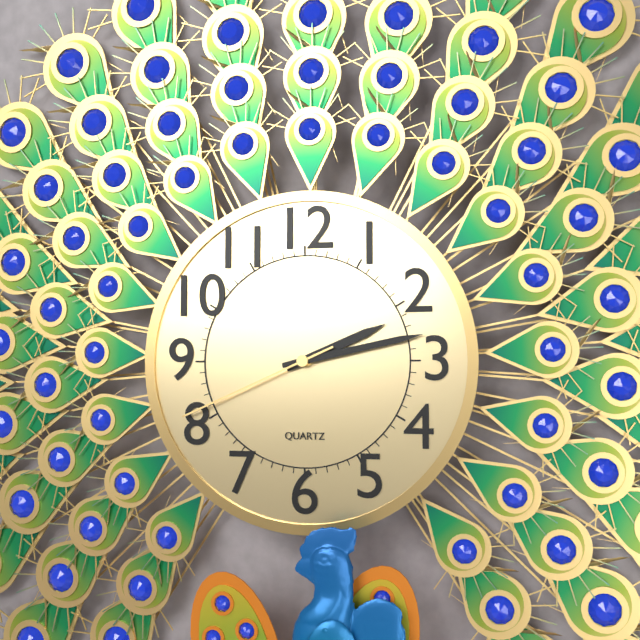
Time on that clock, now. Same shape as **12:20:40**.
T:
**2:13:41**
